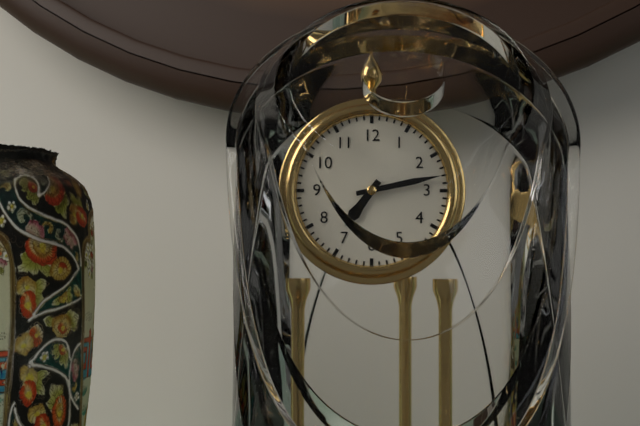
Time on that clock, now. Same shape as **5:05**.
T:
**7:13**
